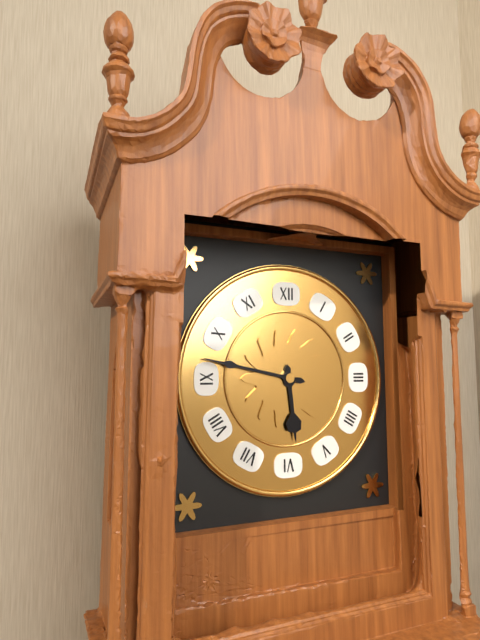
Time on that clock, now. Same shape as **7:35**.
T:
**5:47**
